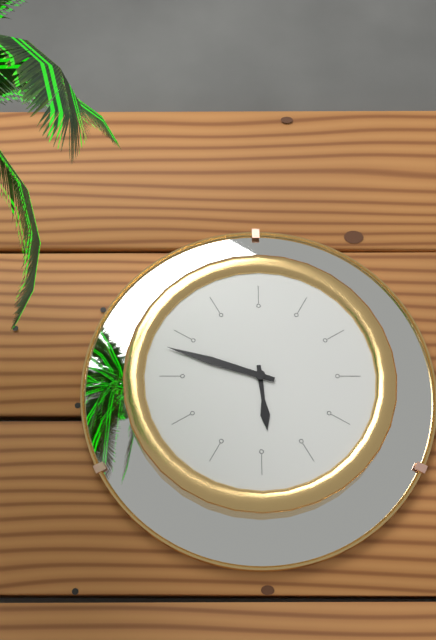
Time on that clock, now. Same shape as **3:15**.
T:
**5:48**
